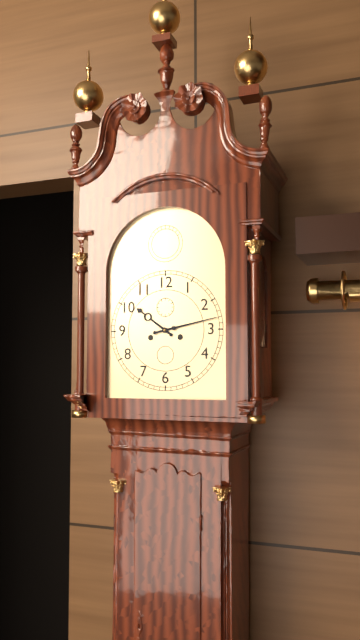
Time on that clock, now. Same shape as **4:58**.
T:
**10:13**
